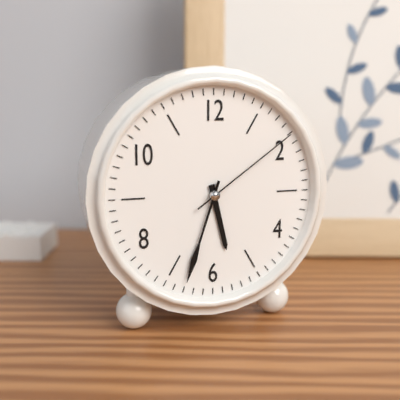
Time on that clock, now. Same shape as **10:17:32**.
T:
**5:33:09**
